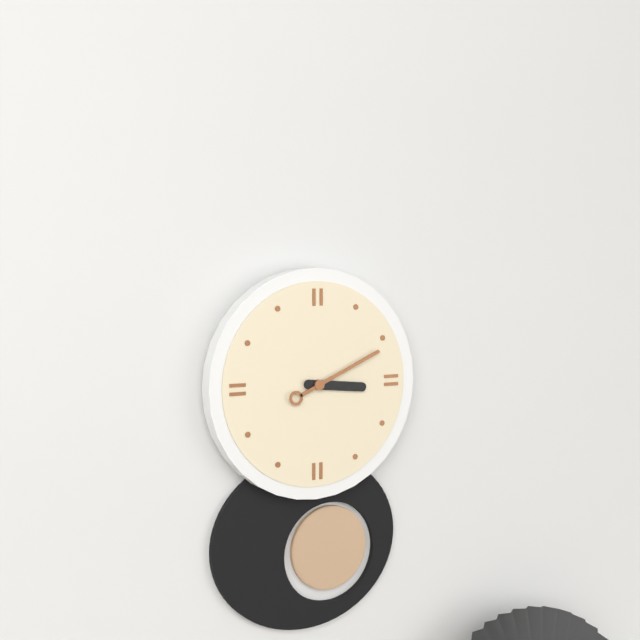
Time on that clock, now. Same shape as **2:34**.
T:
**3:11**
